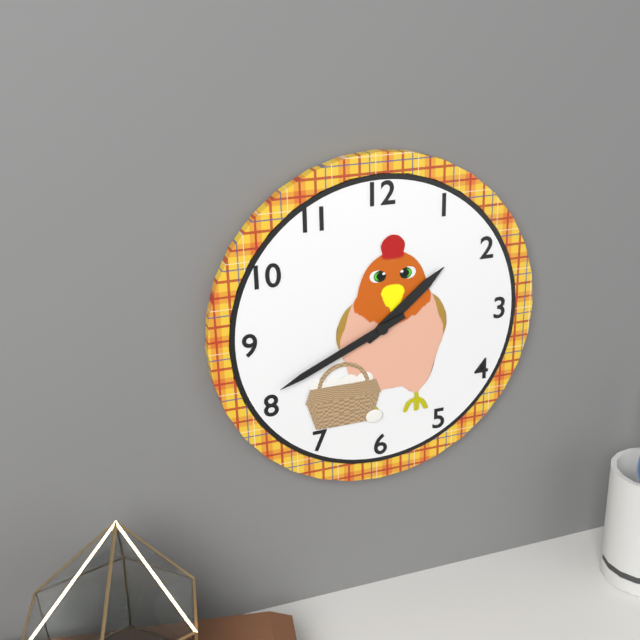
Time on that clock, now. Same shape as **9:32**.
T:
**1:41**
